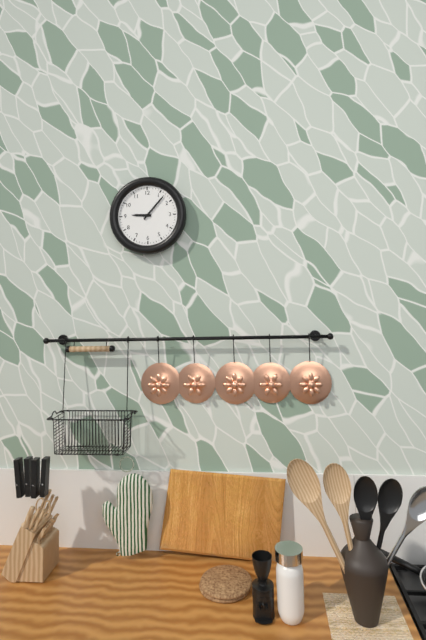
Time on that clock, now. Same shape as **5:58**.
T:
**9:07**
